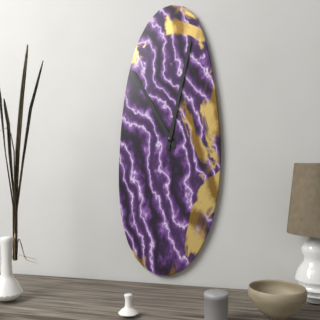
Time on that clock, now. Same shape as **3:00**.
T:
**11:02**
